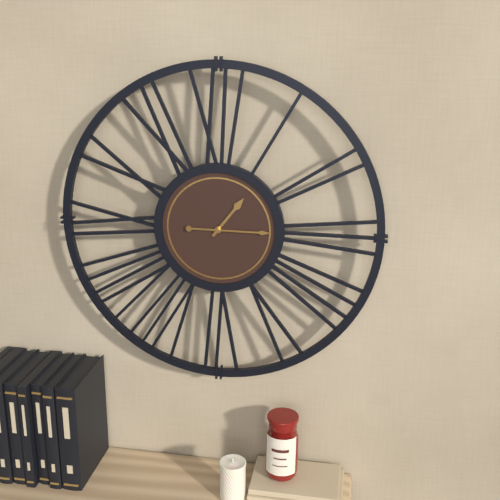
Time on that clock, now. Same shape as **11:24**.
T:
**1:15**
